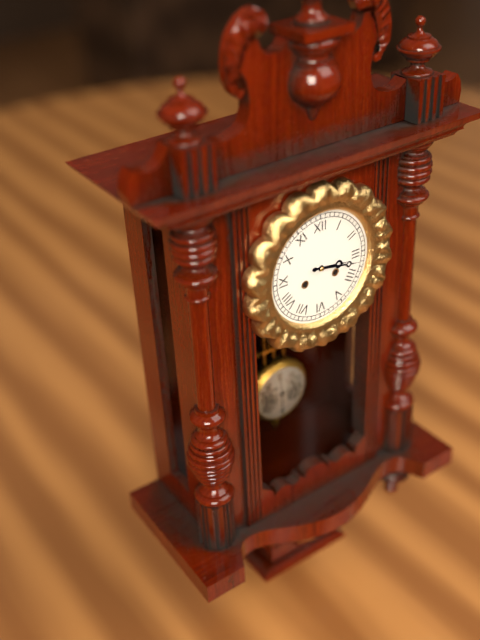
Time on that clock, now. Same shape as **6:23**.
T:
**3:17**
